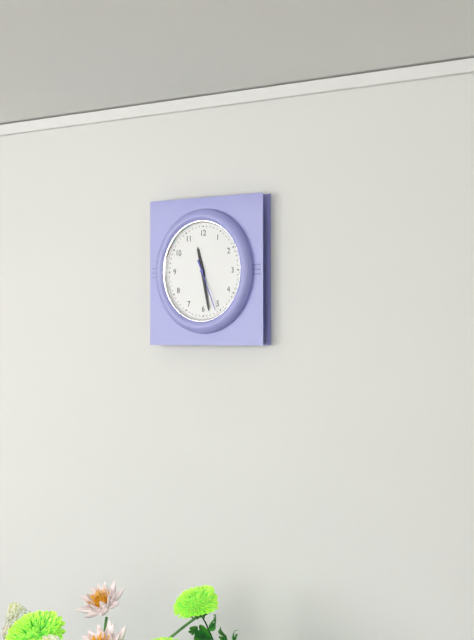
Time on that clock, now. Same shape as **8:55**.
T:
**11:28**
